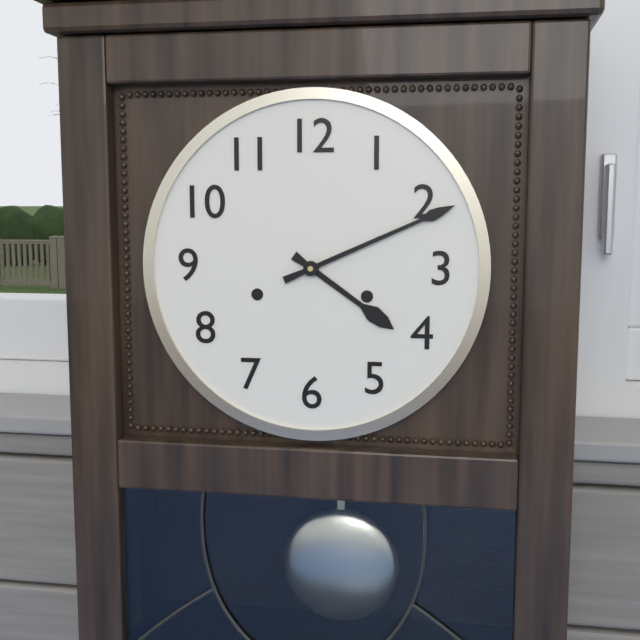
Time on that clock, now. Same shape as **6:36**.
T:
**4:11**
